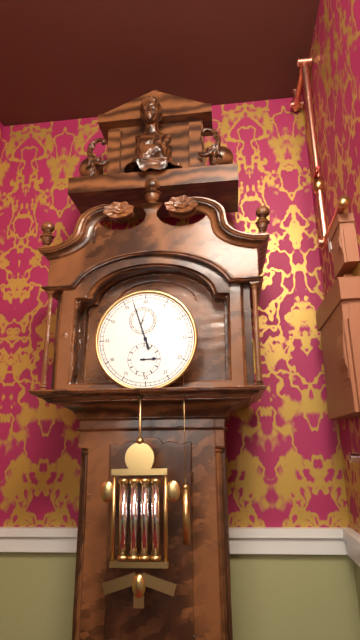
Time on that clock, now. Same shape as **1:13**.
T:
**2:57**
